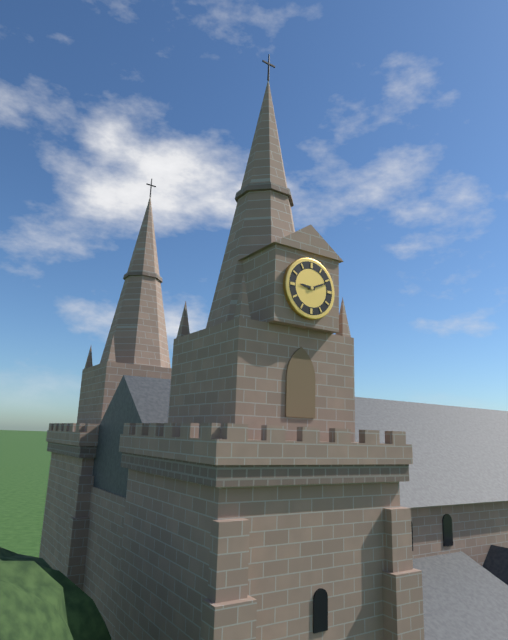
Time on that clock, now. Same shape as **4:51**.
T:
**9:11**
